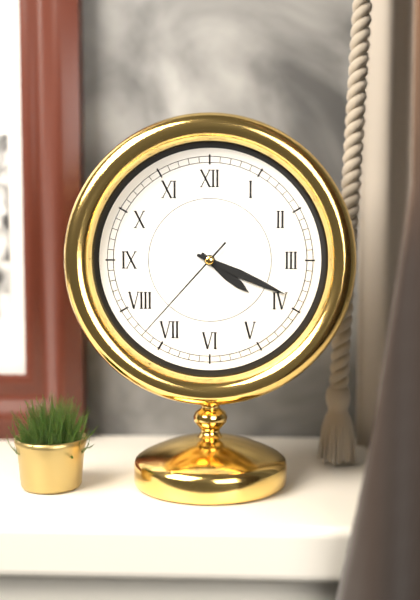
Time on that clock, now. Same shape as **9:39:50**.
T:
**4:19:37**
